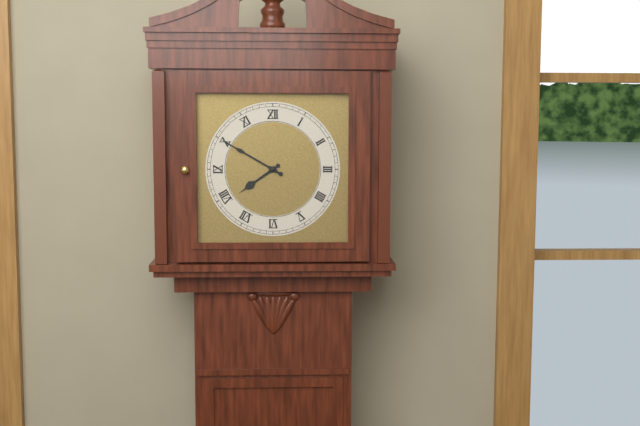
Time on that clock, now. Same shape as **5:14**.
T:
**7:50**
